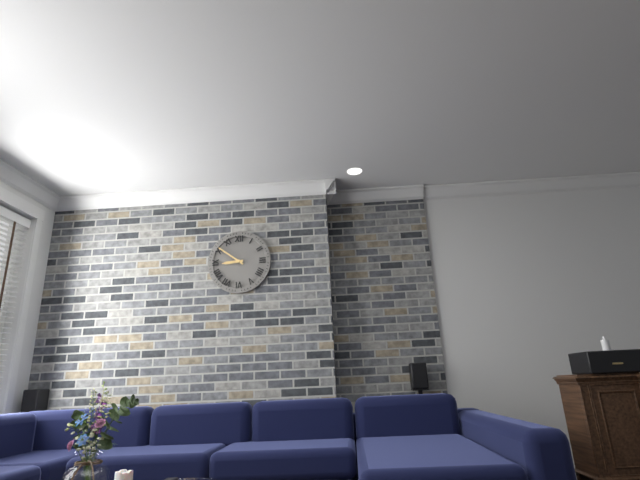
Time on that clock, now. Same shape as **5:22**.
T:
**8:51**
